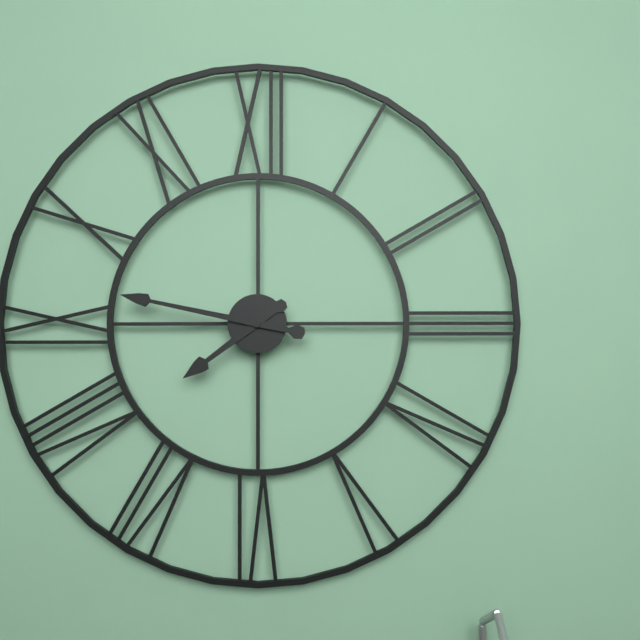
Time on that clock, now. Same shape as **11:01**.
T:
**7:47**
